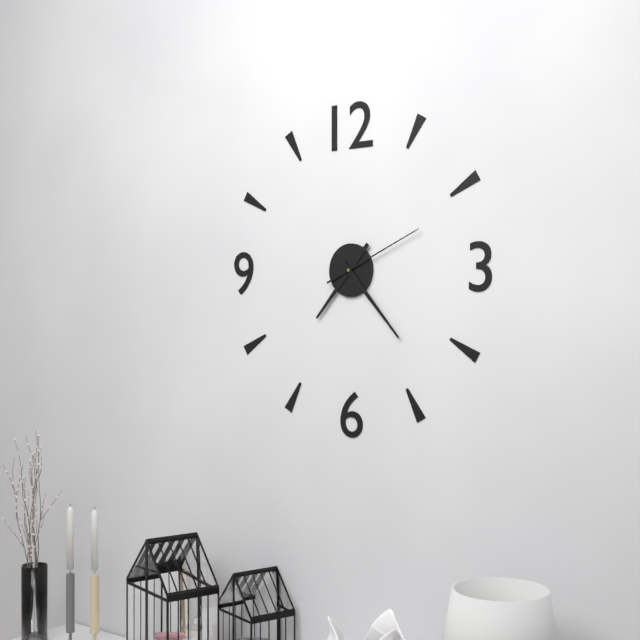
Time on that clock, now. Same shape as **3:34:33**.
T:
**7:23:11**
